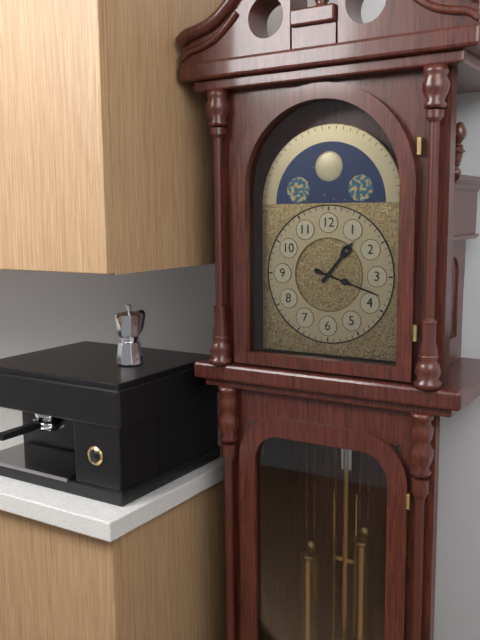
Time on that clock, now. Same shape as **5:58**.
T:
**1:18**
